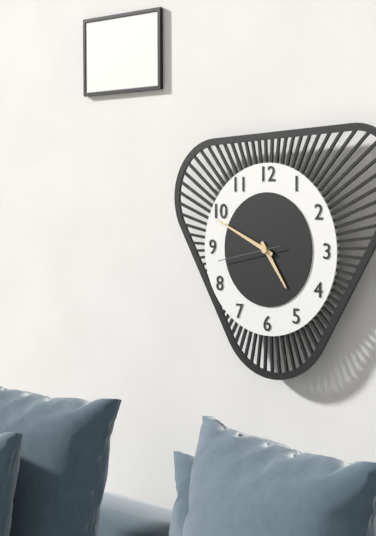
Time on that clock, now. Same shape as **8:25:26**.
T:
**4:49:43**
